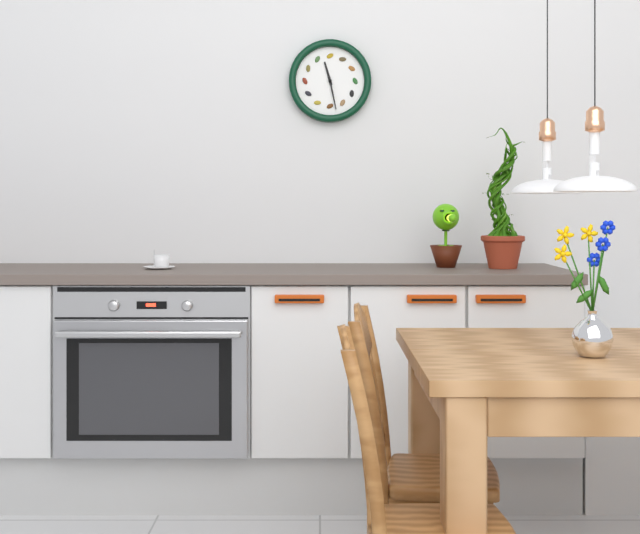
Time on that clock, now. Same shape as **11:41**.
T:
**11:28**
